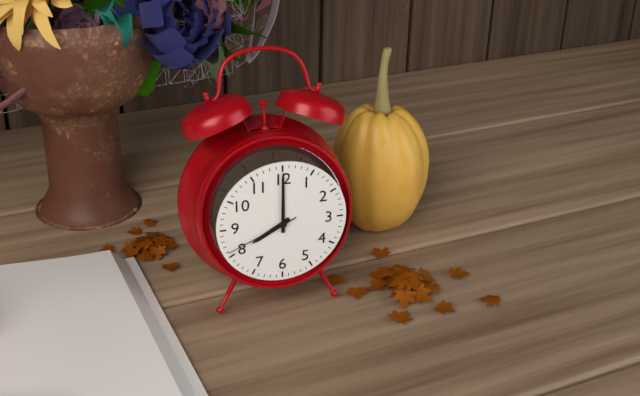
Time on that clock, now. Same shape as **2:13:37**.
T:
**8:00:41**
